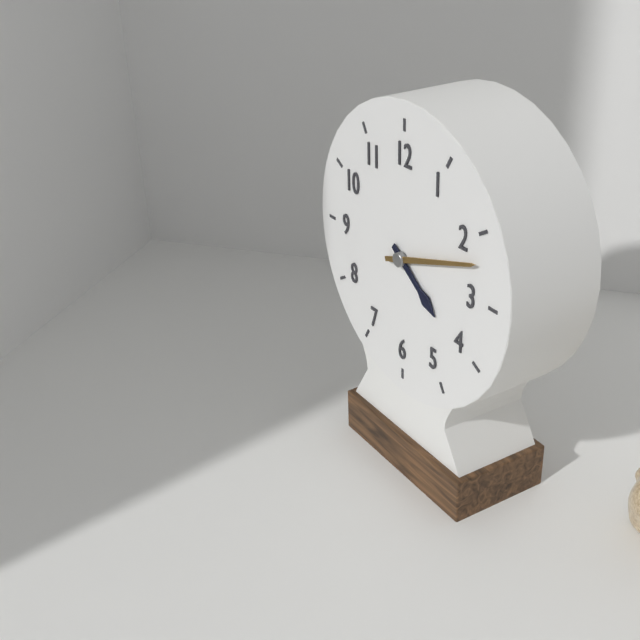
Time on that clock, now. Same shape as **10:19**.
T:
**4:12**
